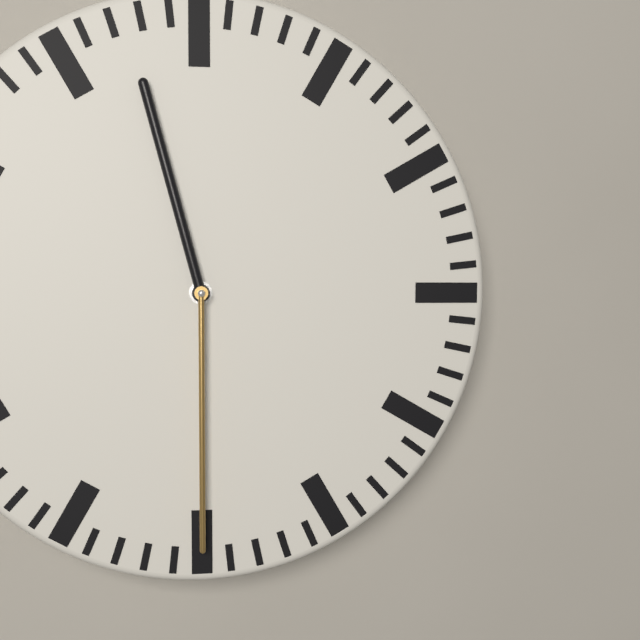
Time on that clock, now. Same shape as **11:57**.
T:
**11:30**
